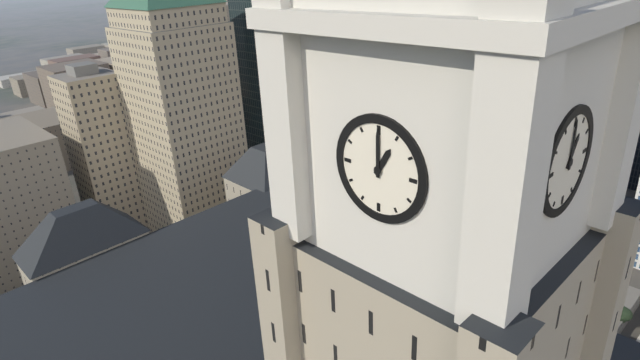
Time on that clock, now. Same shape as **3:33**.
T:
**1:00**
